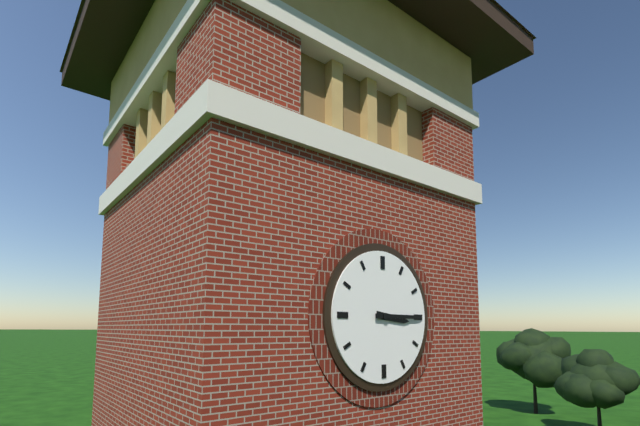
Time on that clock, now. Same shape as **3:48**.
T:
**3:15**
